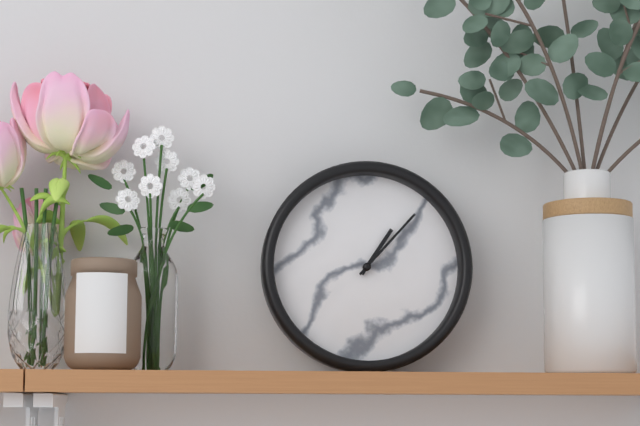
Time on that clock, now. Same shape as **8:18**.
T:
**1:07**
